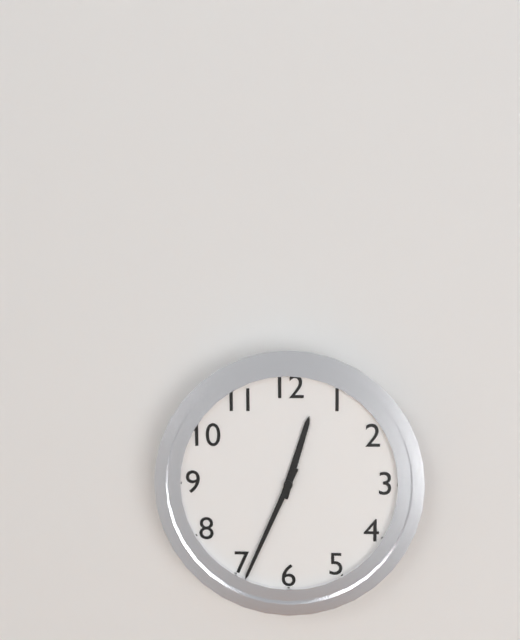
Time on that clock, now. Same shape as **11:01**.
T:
**12:34**
